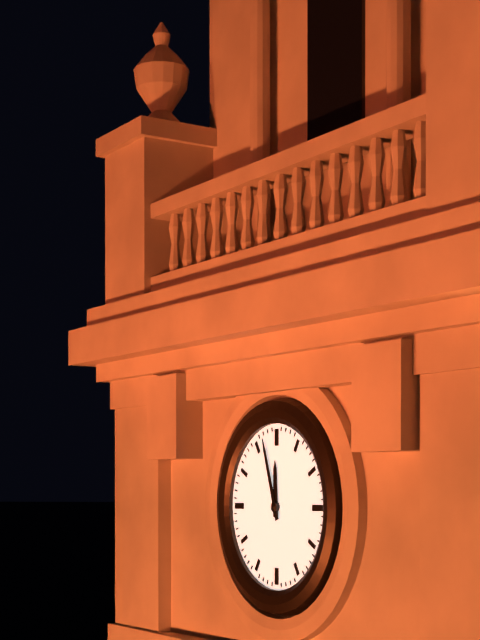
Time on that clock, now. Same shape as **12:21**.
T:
**11:57**
